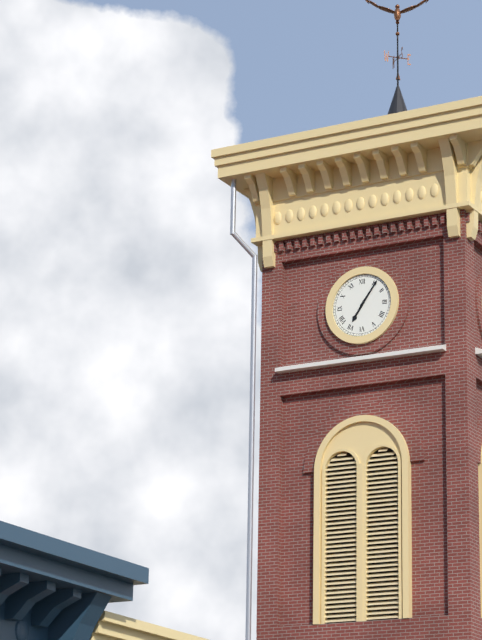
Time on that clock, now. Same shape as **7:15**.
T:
**7:06**
